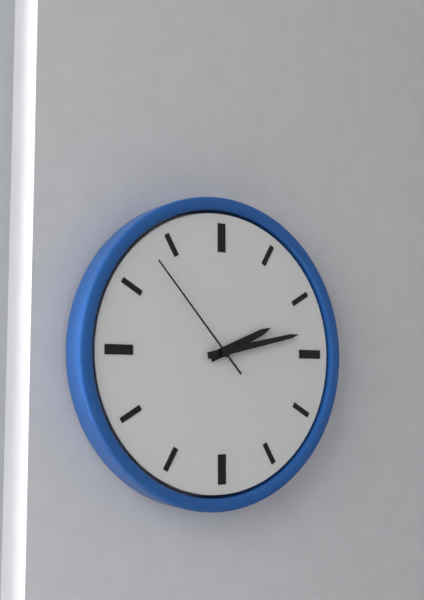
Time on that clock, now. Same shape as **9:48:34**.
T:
**2:13:53**
